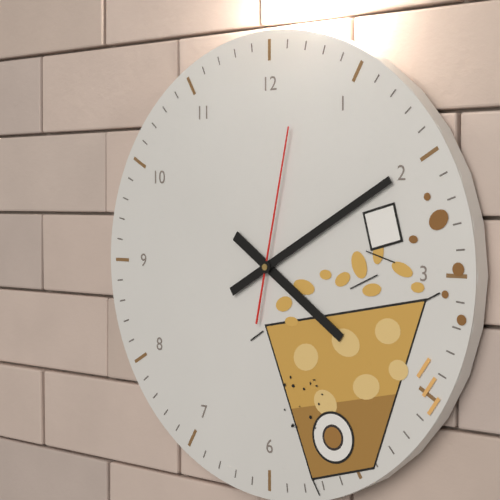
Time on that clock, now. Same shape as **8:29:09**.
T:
**4:10:02**
